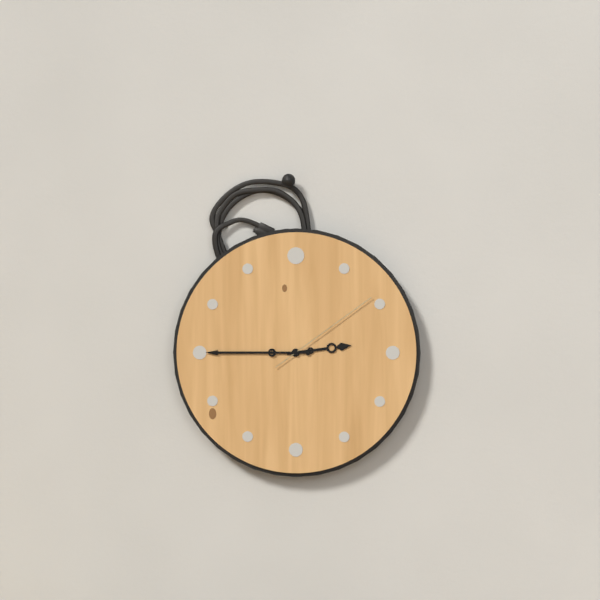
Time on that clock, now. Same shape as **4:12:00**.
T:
**2:45:09**
